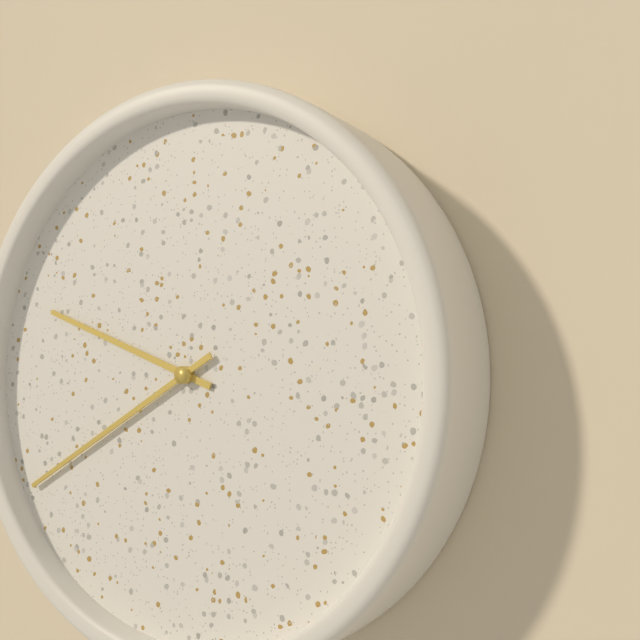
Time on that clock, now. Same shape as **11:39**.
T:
**9:40**
